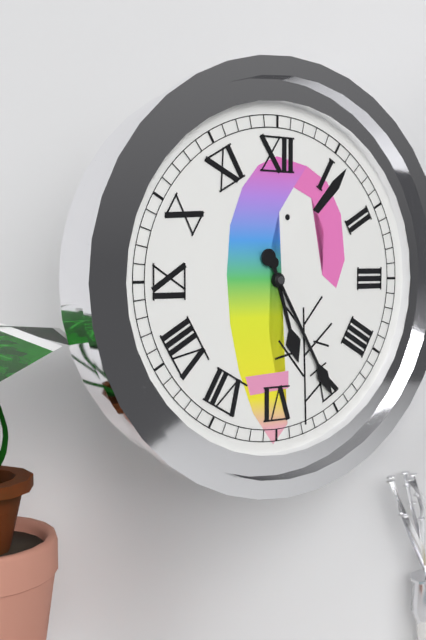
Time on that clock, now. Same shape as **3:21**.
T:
**5:25**
